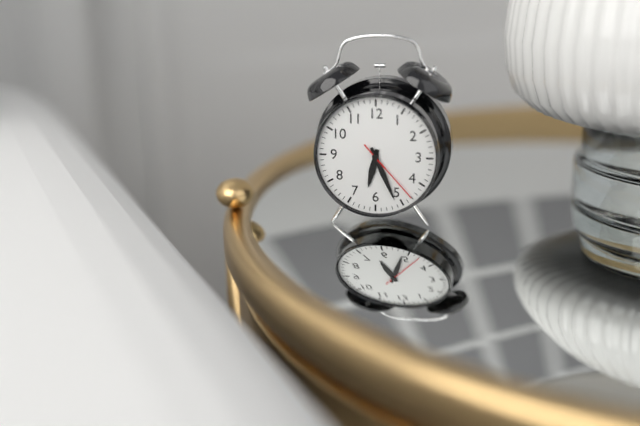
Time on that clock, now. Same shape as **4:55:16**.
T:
**6:26:23**
